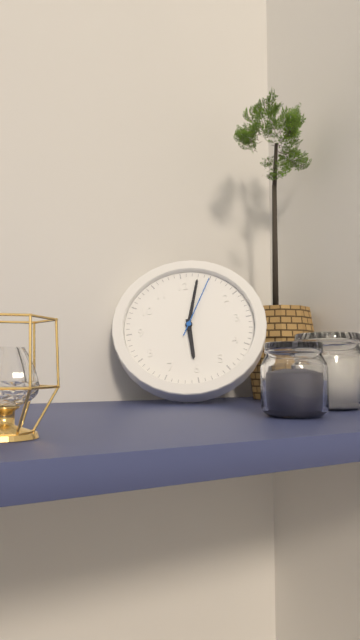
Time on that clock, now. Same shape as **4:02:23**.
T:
**6:03:05**
